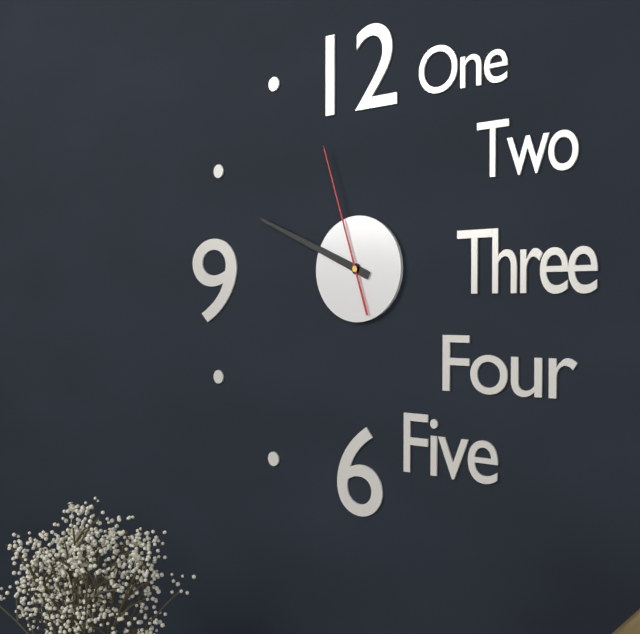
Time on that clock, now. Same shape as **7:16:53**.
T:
**9:49:57**
